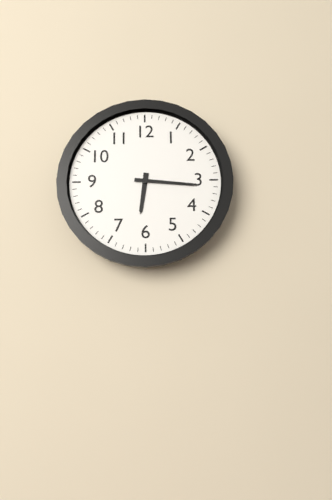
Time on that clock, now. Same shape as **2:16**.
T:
**6:16**
